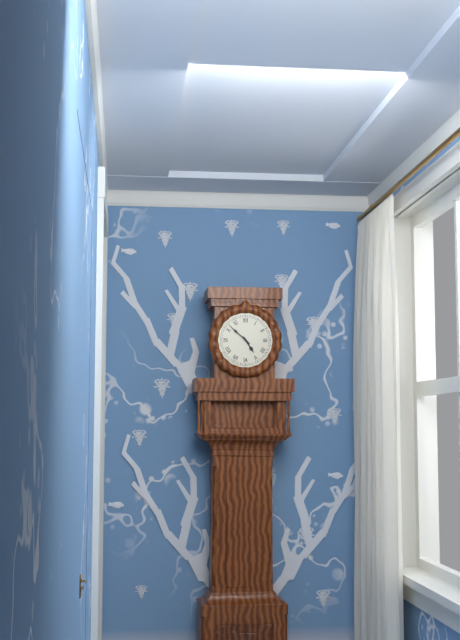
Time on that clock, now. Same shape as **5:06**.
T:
**4:52**
